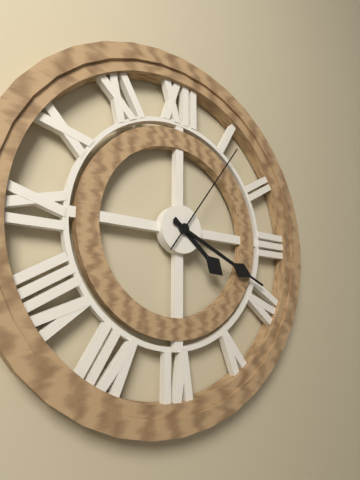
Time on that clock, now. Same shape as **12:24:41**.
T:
**4:19:06**
